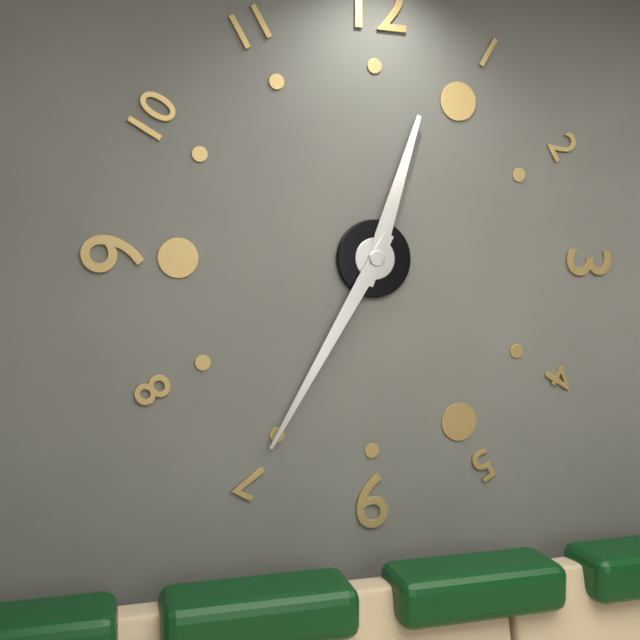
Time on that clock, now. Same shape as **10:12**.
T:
**12:35**
